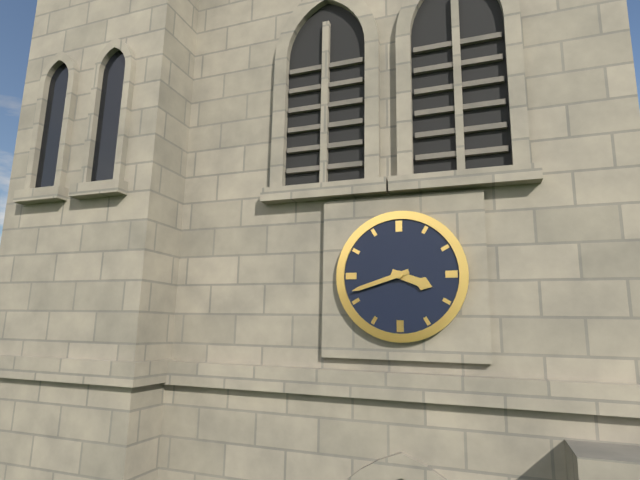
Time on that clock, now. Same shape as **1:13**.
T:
**3:42**
